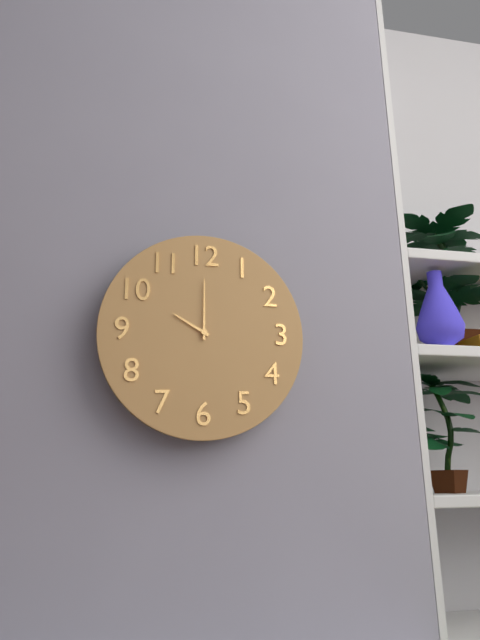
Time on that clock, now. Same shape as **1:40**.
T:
**10:00**
